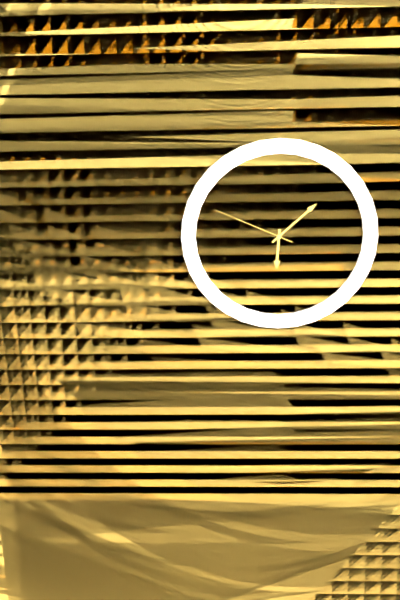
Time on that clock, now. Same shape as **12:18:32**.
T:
**6:08:49**
